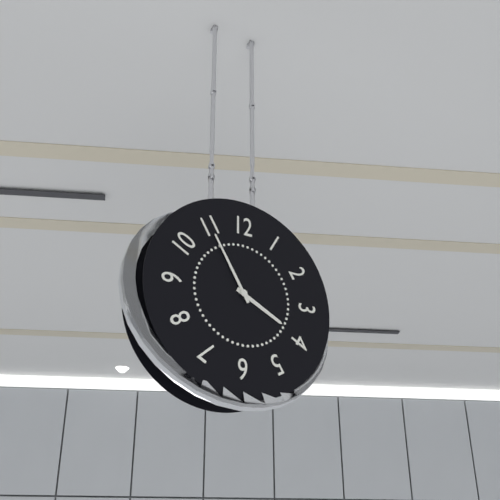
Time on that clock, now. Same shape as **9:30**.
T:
**3:55**
